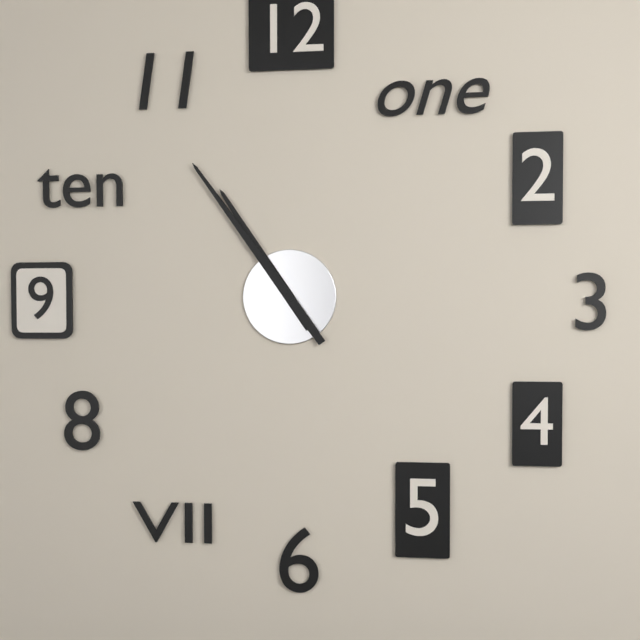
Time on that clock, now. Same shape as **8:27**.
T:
**10:54**
